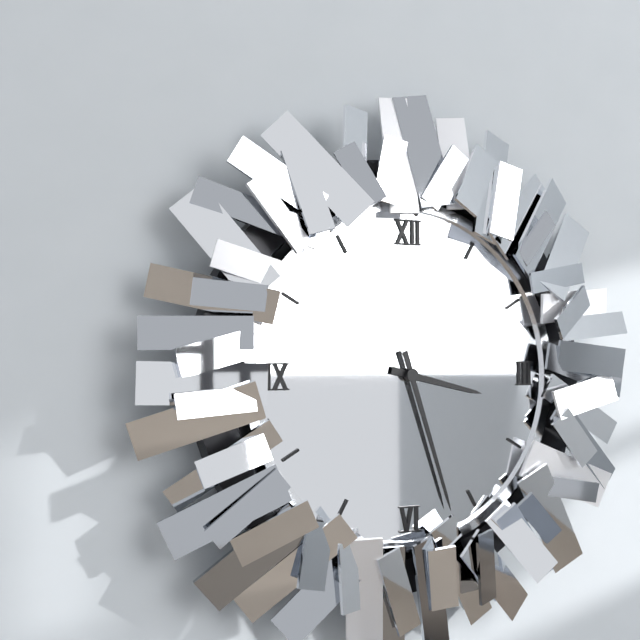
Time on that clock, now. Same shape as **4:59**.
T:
**3:27**
